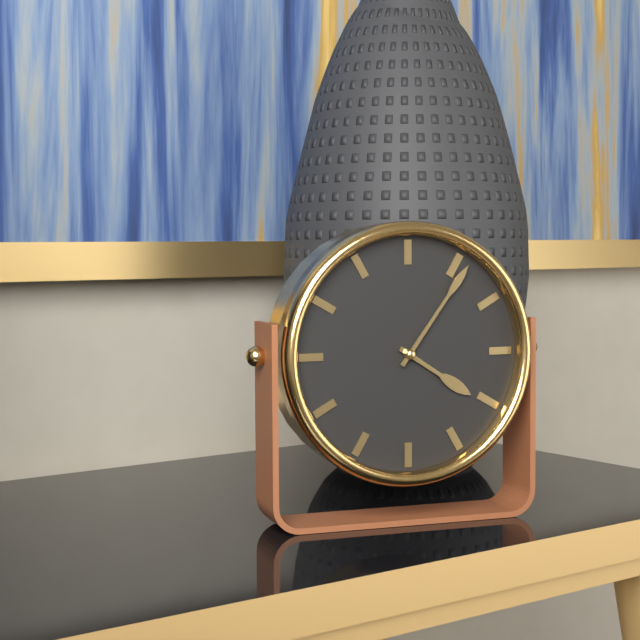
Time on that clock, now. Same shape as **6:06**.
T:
**4:06**
